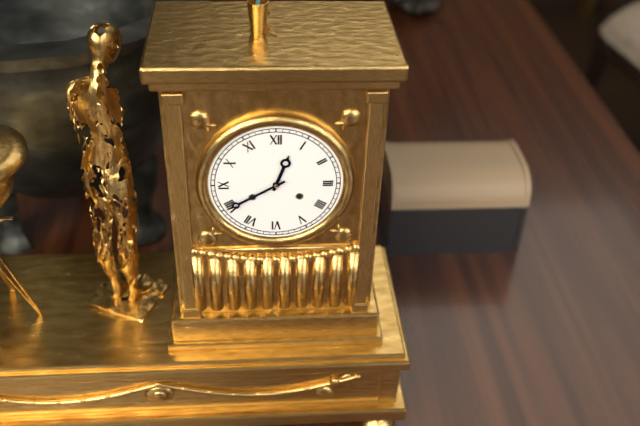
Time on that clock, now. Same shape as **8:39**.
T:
**12:40**
